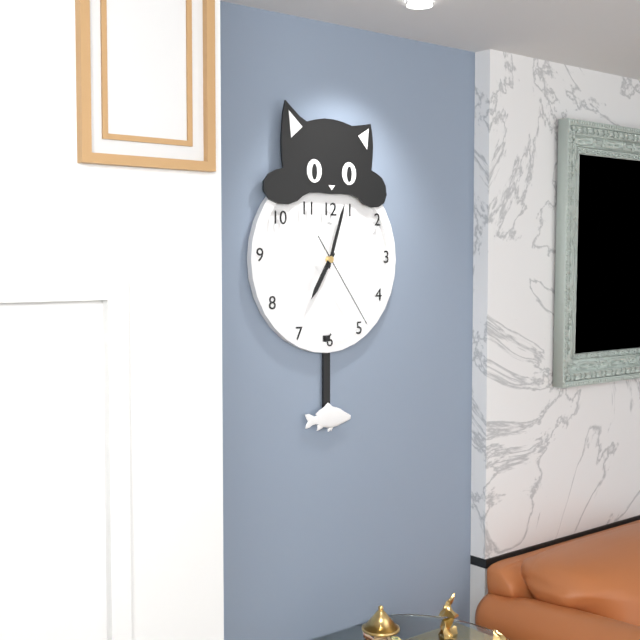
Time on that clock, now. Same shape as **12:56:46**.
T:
**7:03:24**
